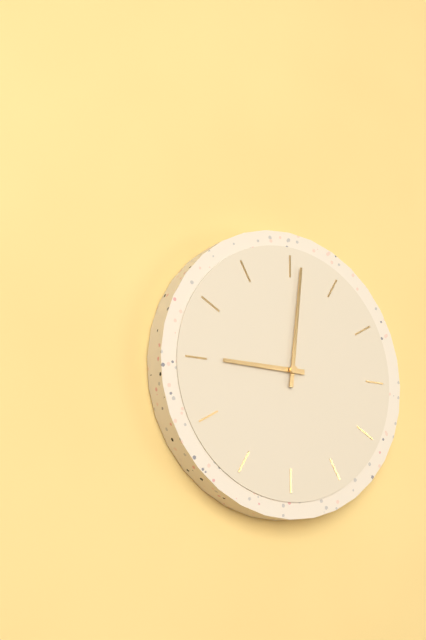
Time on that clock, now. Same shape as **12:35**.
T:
**9:01**
